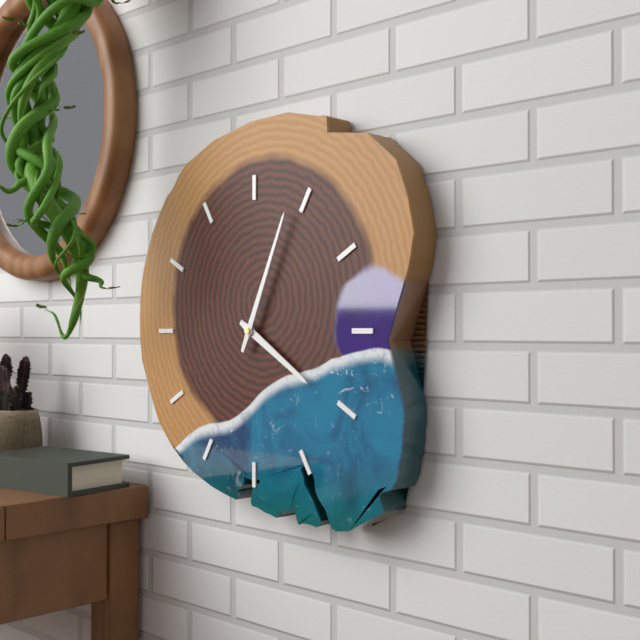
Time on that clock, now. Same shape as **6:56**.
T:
**4:04**
